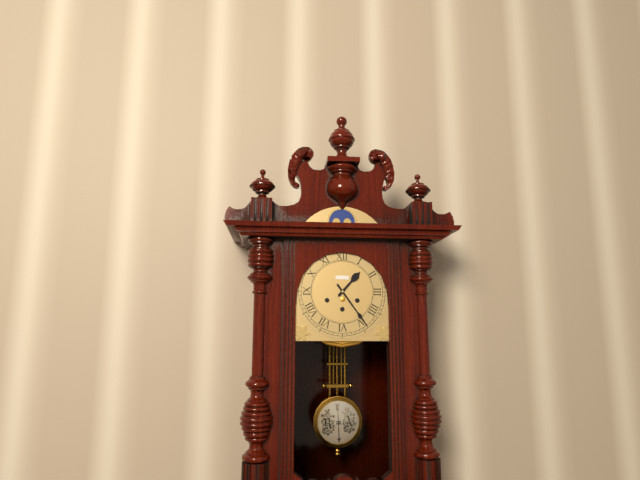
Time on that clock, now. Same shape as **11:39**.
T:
**1:24**
